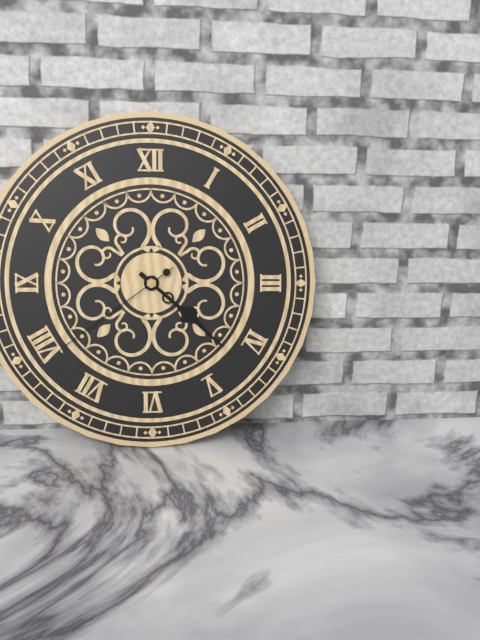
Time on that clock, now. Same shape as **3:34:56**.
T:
**4:22:39**
